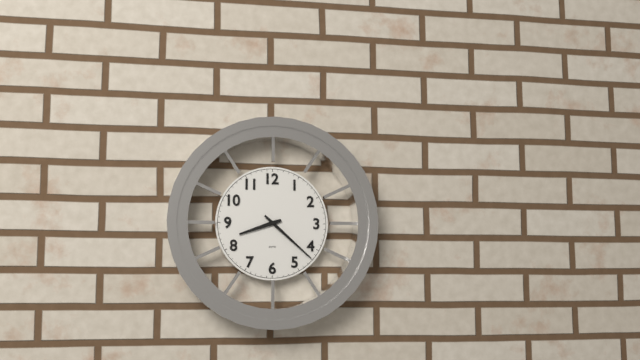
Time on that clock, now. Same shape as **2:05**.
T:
**8:22**
